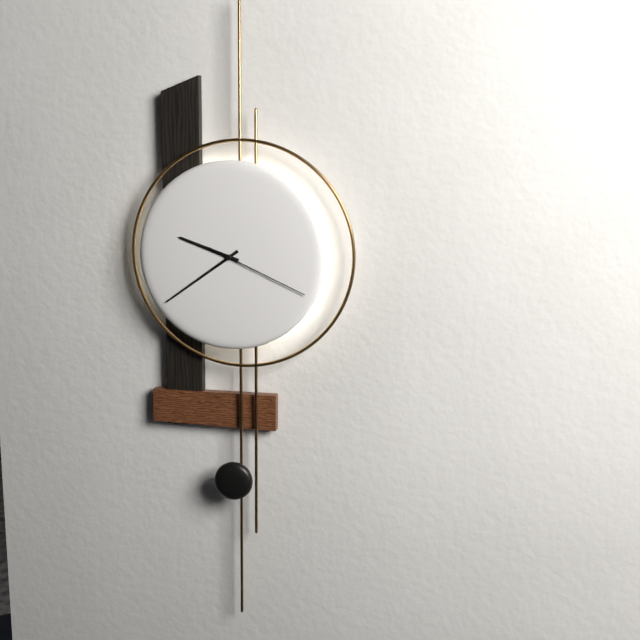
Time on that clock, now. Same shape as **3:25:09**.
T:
**9:39:19**
